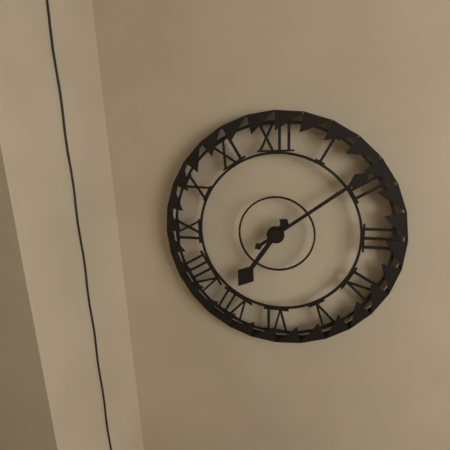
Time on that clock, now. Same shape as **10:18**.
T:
**7:09**
